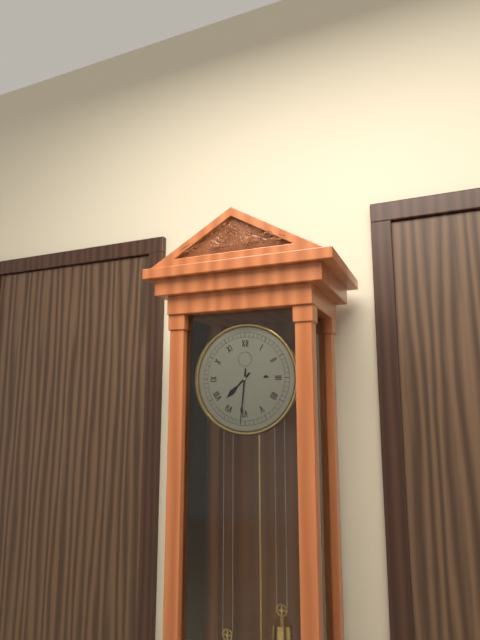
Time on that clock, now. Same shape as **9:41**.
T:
**7:31**
